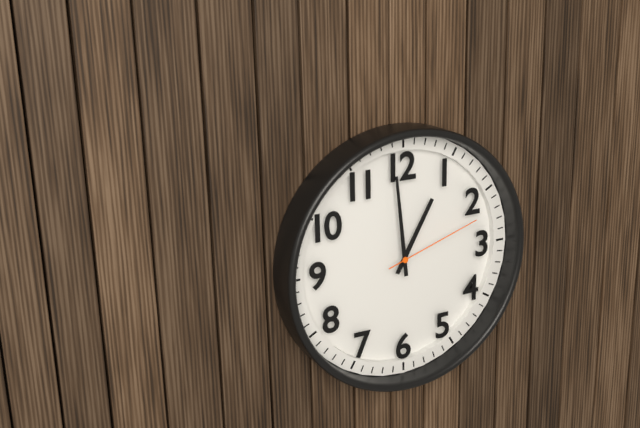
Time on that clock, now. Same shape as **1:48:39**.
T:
**12:59:12**
